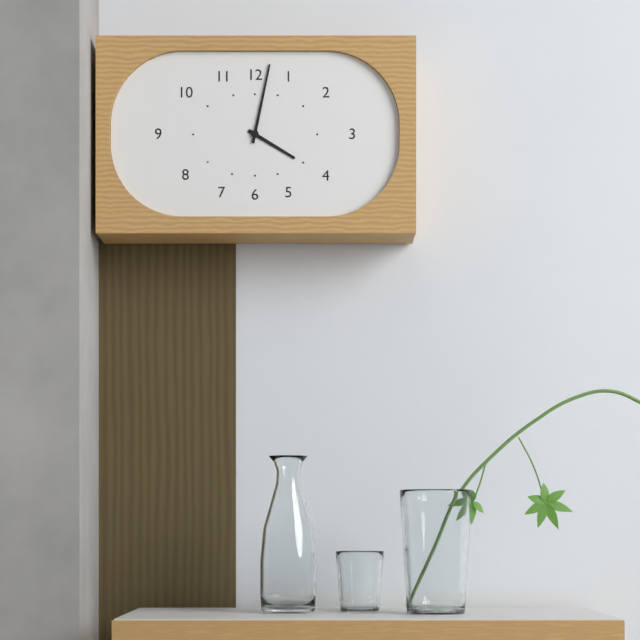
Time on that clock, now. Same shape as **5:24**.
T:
**4:02**
